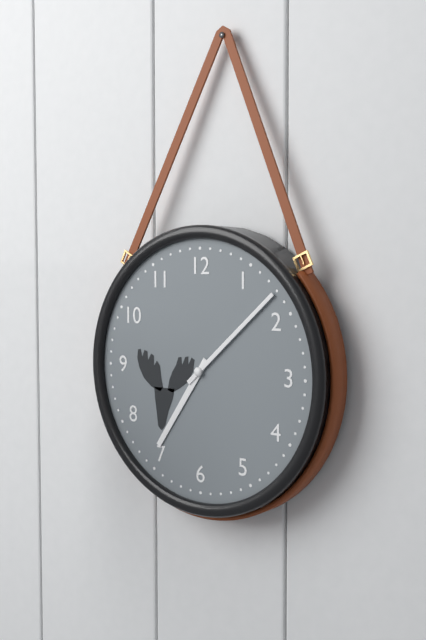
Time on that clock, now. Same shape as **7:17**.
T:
**7:08**
